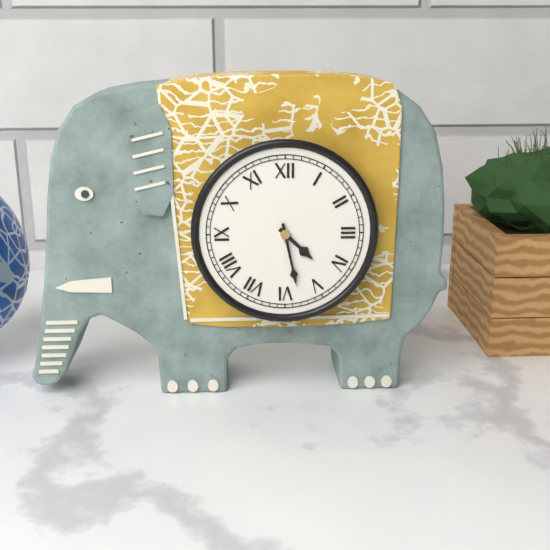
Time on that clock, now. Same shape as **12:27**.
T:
**4:28**
